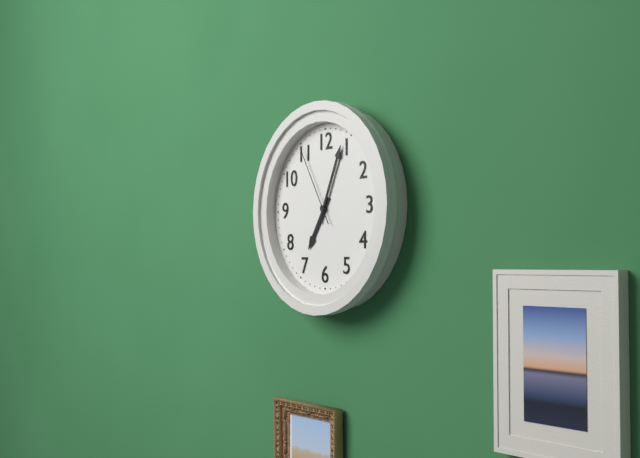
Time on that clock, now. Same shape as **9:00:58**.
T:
**7:04:55**
